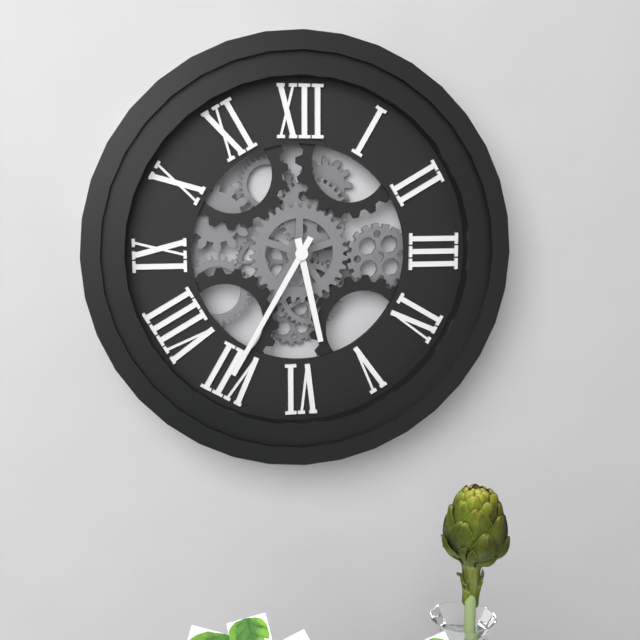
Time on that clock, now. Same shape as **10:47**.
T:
**5:35**
